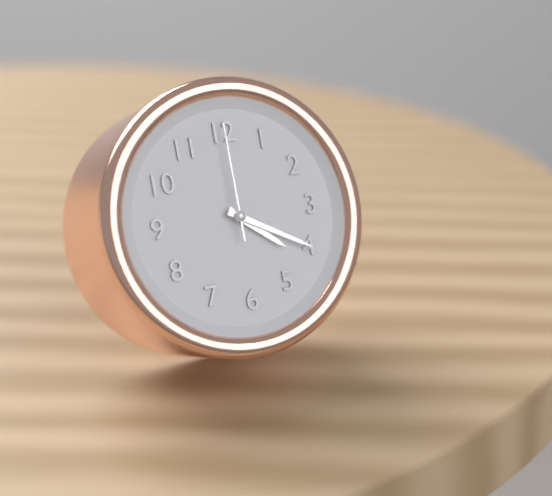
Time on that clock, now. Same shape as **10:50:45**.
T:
**4:20:00**
